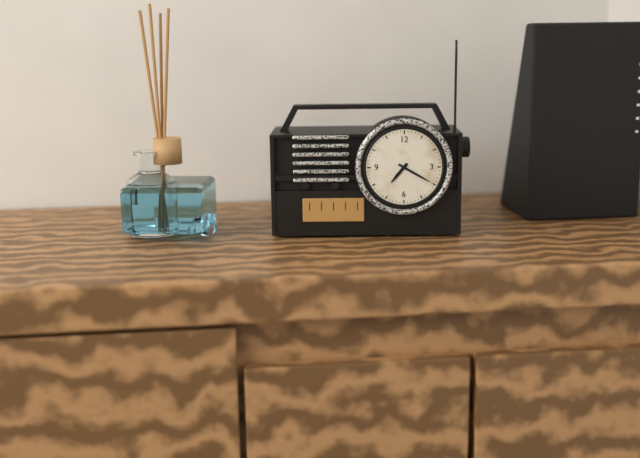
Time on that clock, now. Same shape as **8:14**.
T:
**7:20**
